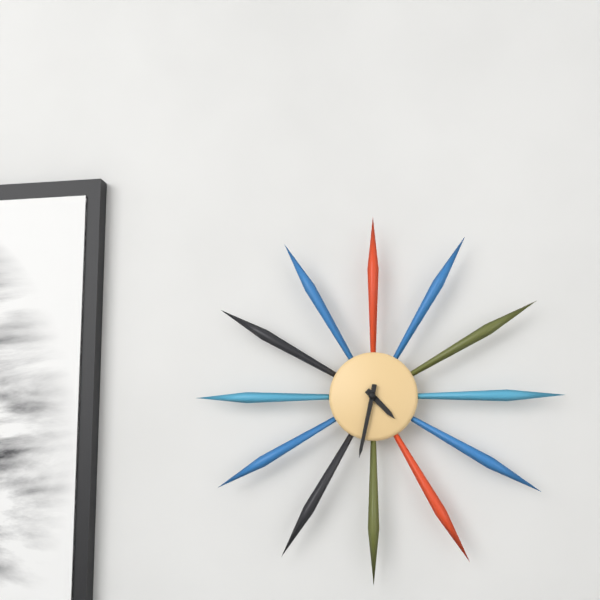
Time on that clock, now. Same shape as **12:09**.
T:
**4:32**
